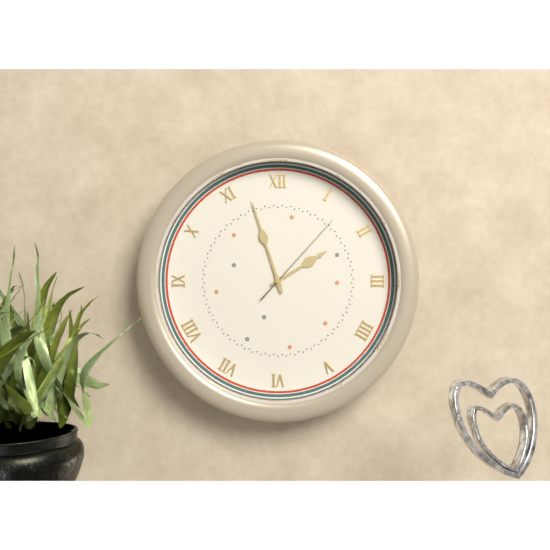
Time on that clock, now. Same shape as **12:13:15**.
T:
**1:57:07**
